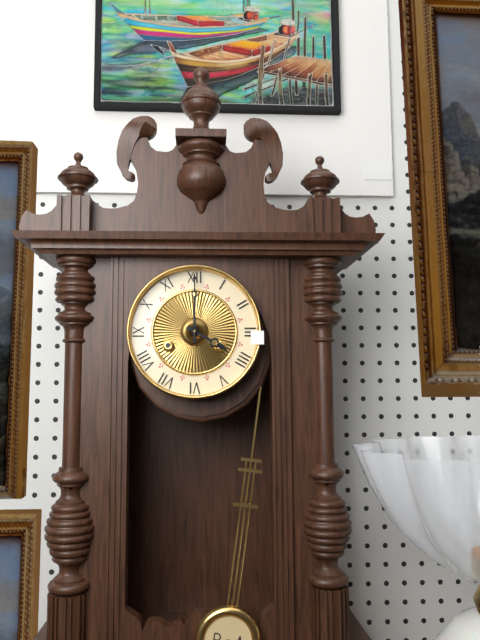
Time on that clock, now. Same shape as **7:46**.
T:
**4:00**
